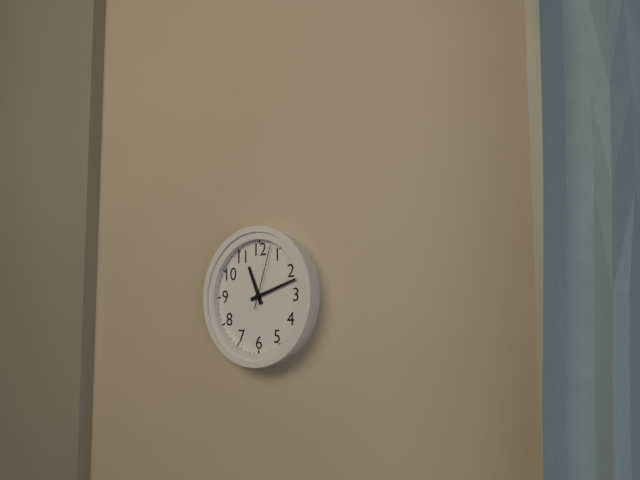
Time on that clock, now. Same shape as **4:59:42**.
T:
**11:12:03**
